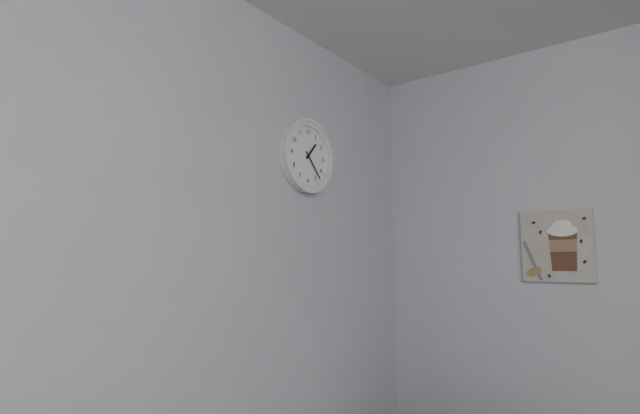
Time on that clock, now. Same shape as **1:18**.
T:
**1:23**
